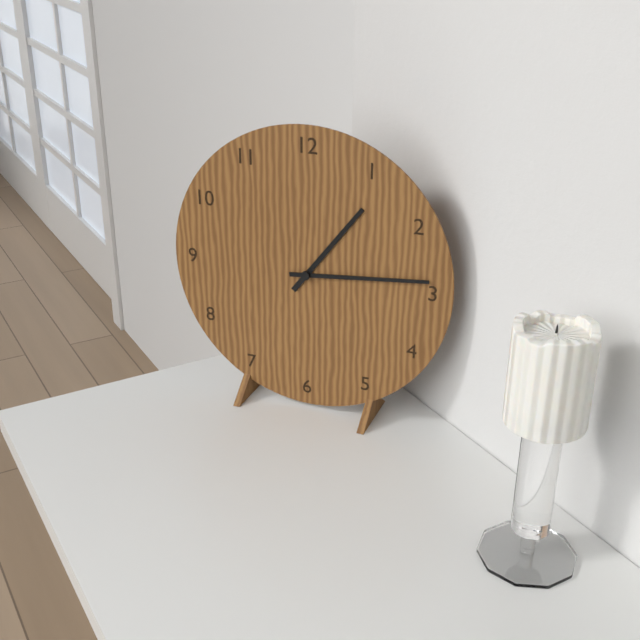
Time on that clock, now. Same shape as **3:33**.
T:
**1:14**
